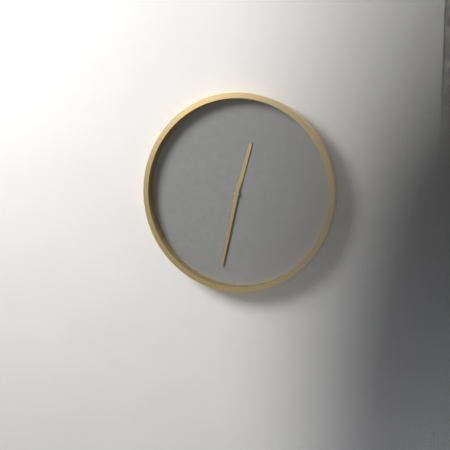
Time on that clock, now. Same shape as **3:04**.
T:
**12:32**
